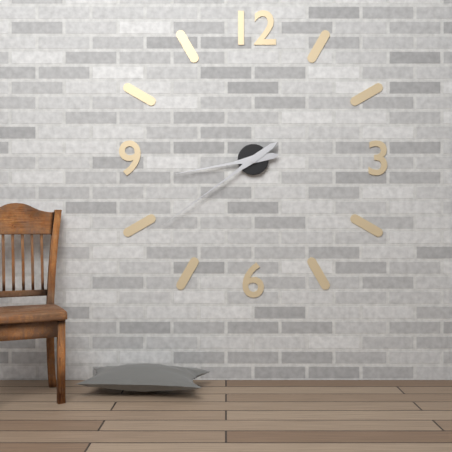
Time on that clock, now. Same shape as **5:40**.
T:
**8:39**
